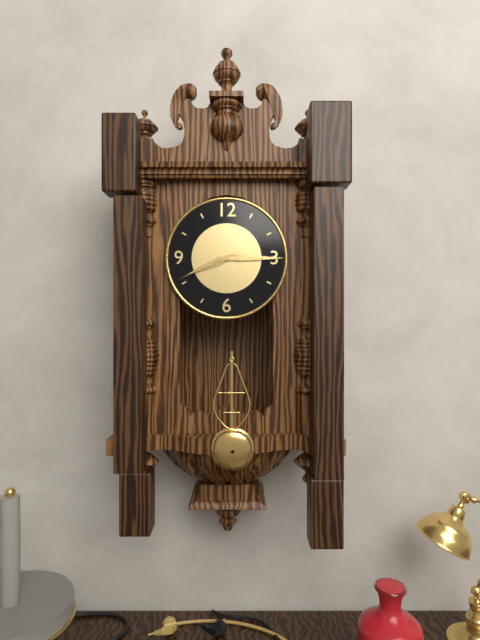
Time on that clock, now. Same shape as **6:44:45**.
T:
**8:15:41**
